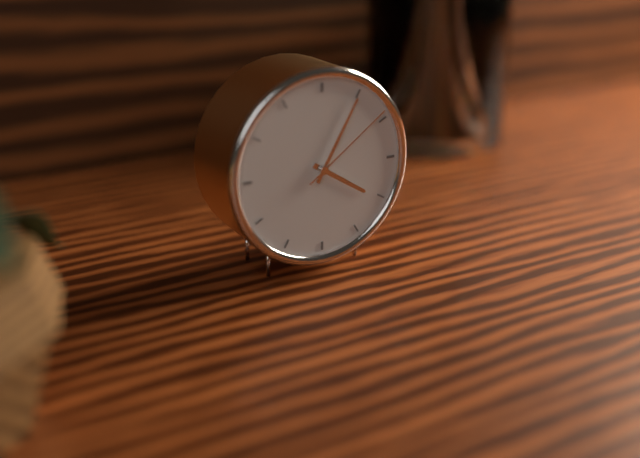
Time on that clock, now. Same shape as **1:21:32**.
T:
**4:05:09**
